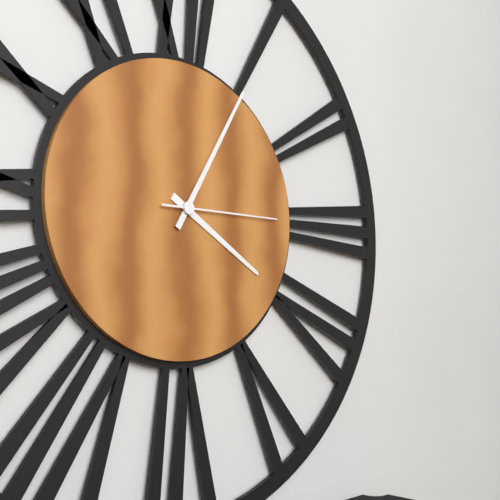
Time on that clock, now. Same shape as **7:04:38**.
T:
**4:05:15**
